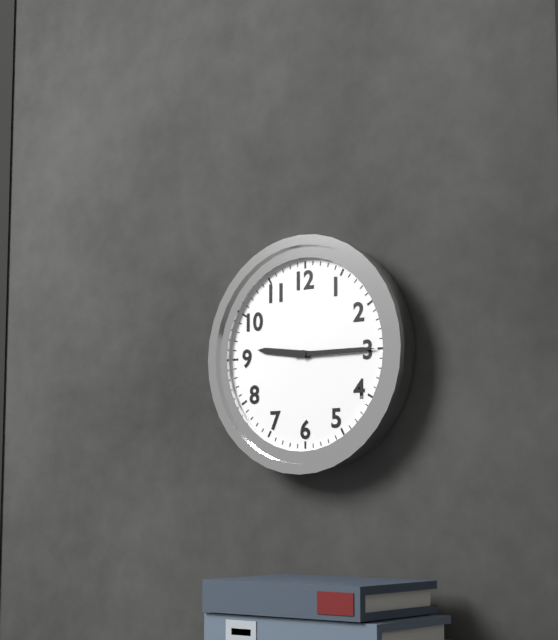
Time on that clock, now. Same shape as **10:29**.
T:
**9:15**
